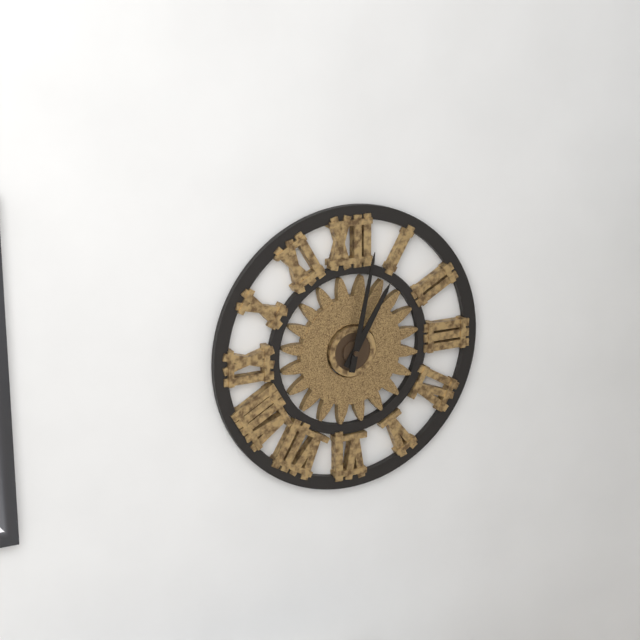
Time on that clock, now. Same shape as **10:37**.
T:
**1:02**
